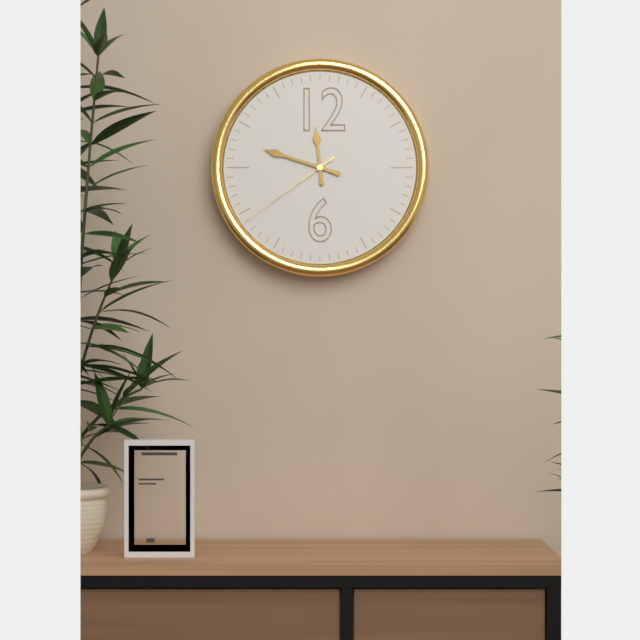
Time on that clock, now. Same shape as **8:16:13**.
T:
**11:48:39**
